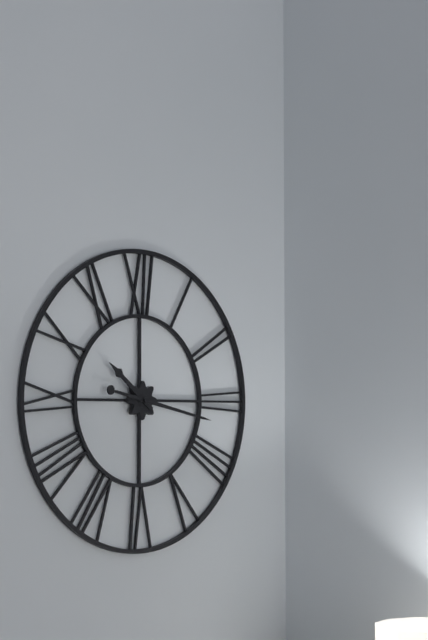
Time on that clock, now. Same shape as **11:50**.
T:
**10:17**
